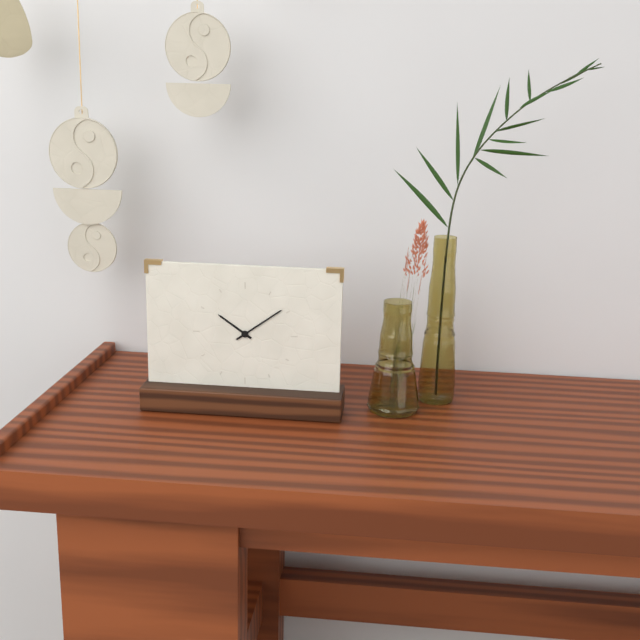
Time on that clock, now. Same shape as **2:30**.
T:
**10:09**
